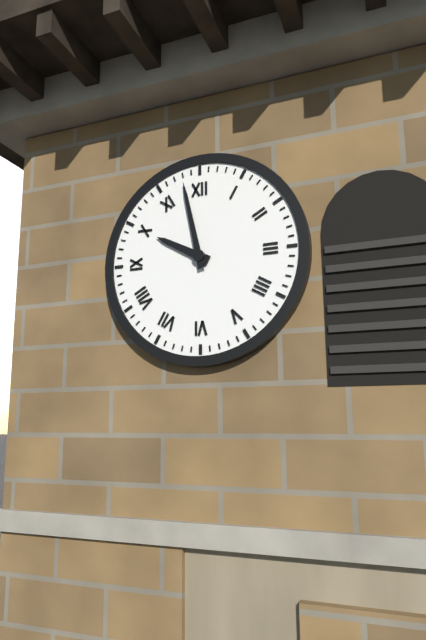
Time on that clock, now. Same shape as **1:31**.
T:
**9:58**
